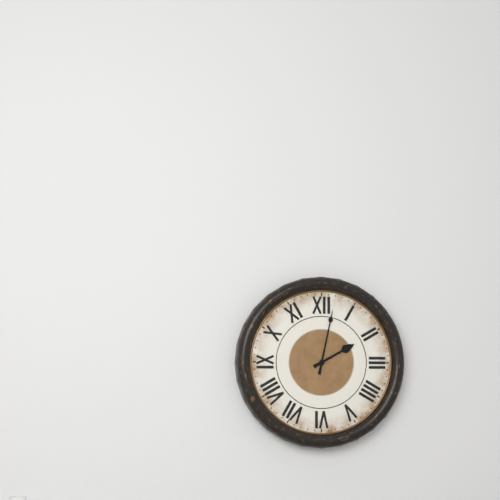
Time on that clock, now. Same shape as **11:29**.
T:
**2:02**
